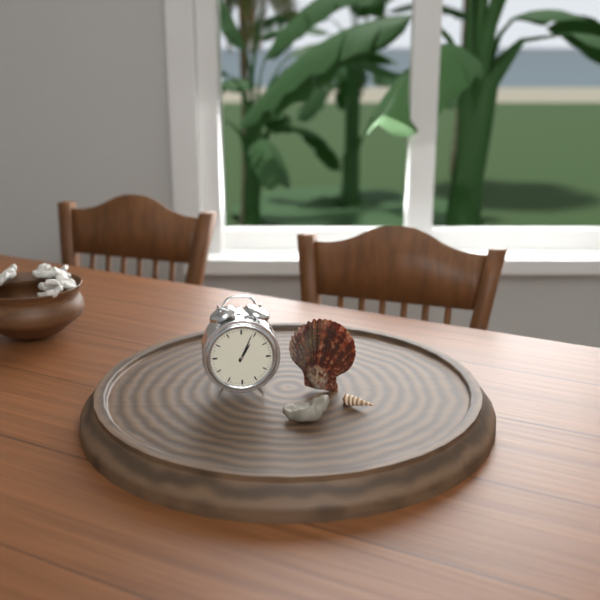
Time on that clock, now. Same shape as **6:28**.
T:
**1:04**
